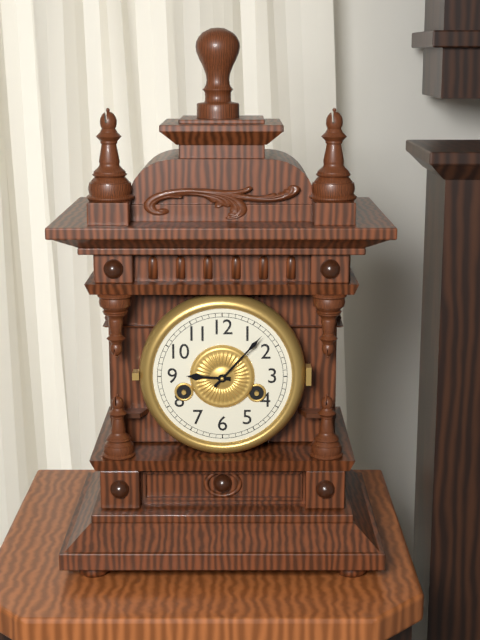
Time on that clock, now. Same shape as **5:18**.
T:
**9:07**
